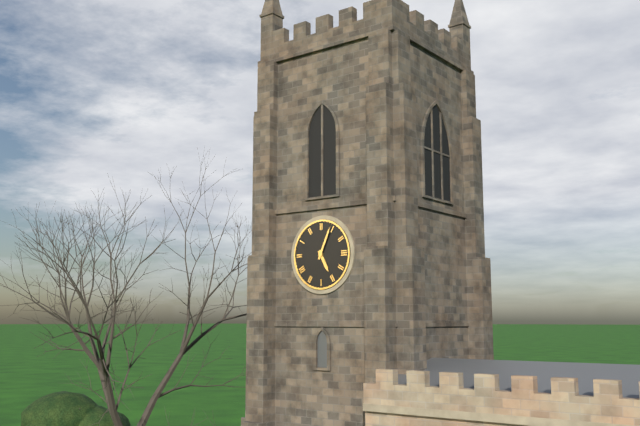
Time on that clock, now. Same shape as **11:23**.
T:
**5:04**
